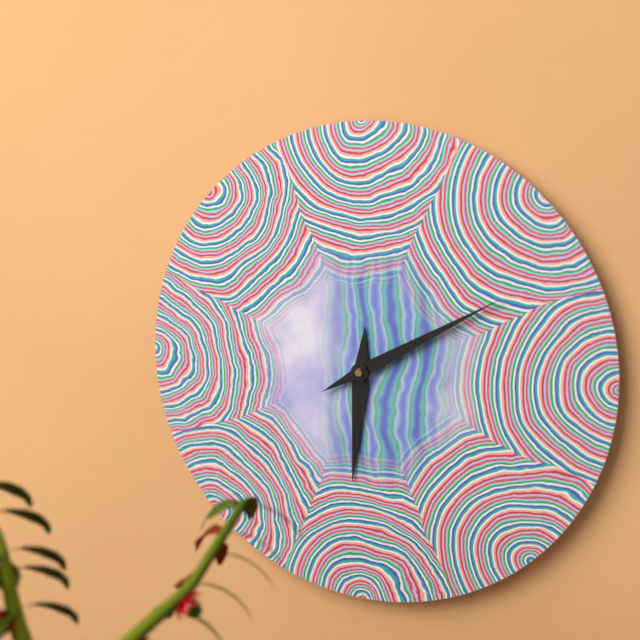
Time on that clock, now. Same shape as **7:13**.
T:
**6:10**
